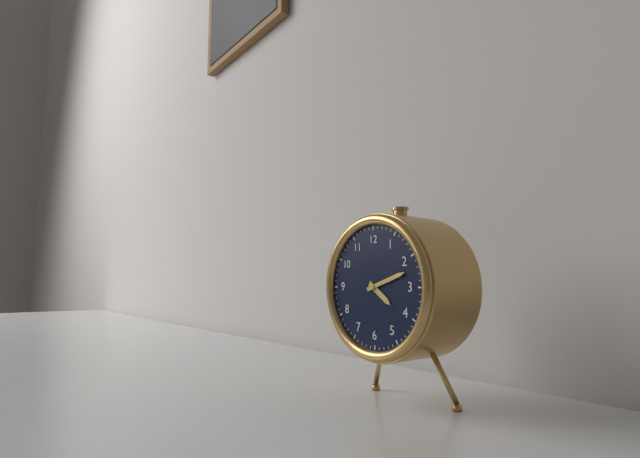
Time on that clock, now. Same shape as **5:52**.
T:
**4:12**
